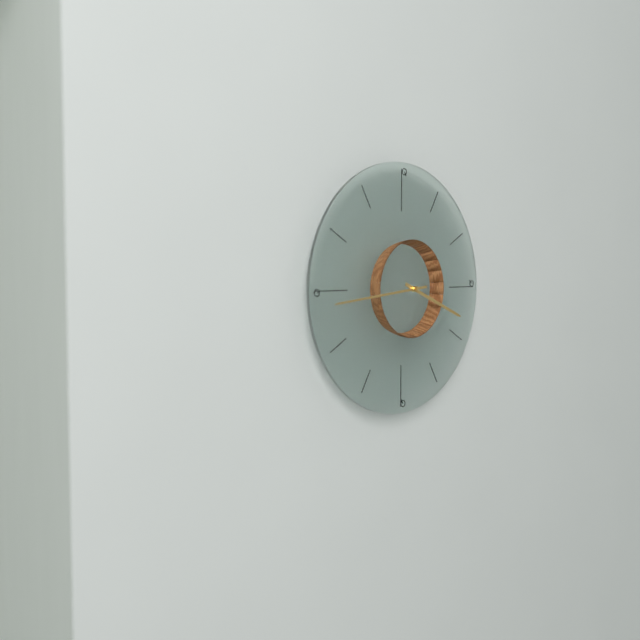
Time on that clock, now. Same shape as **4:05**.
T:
**3:44**
